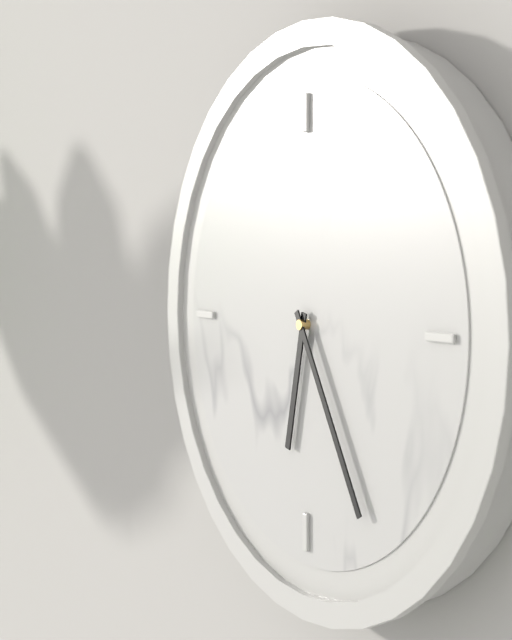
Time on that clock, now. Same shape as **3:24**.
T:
**6:25**
